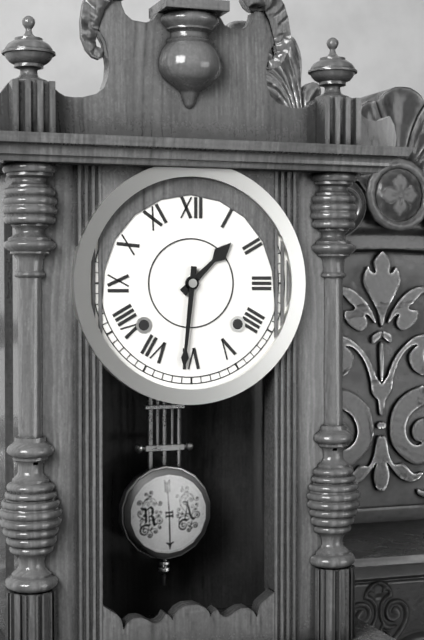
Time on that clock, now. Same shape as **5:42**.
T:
**1:31**
